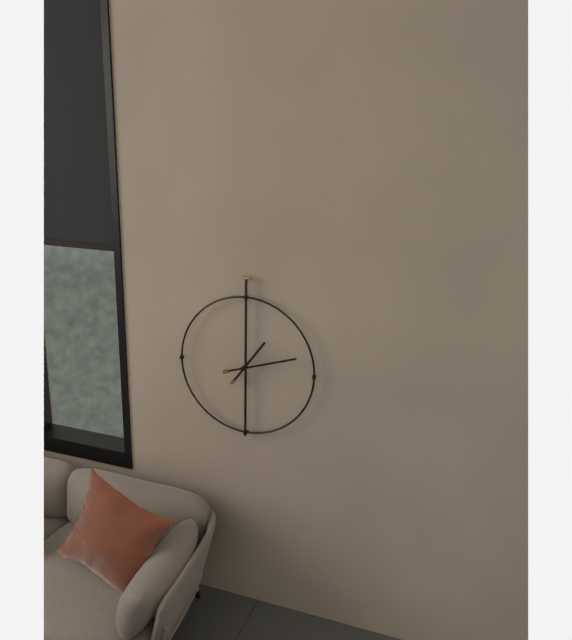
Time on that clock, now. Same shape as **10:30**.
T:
**1:12**
